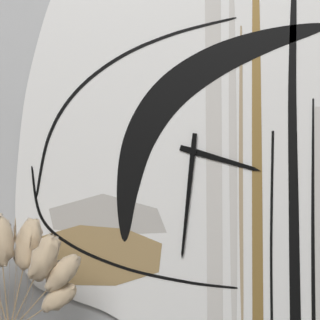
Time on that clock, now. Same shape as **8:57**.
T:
**3:31**
